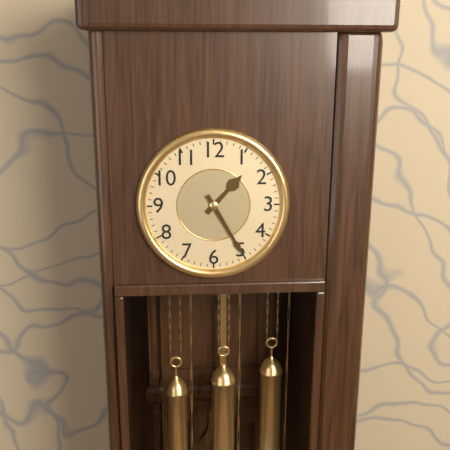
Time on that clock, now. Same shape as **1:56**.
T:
**1:25**
